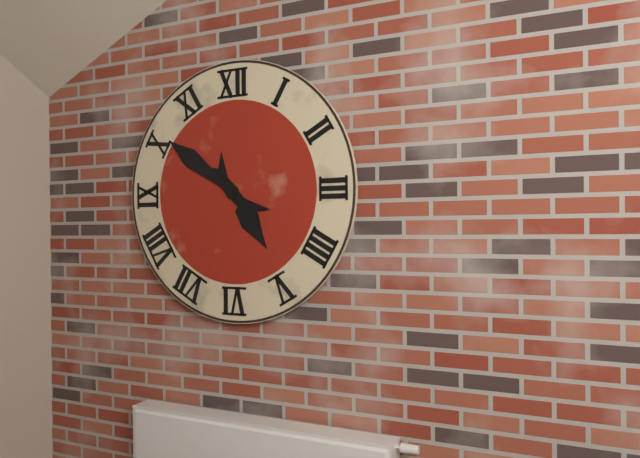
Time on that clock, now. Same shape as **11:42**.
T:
**4:51**
